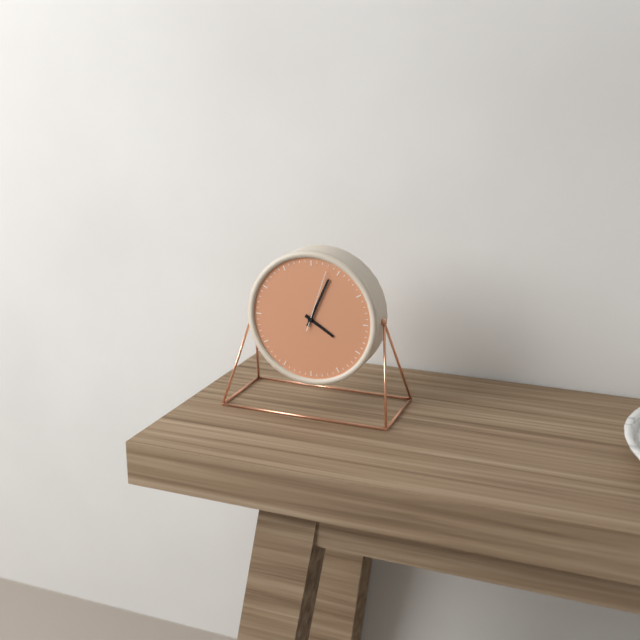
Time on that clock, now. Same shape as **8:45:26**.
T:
**4:04:03**
